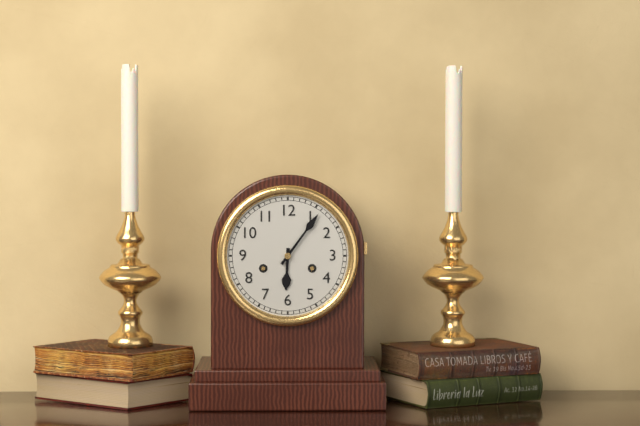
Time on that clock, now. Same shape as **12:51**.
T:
**6:06**
